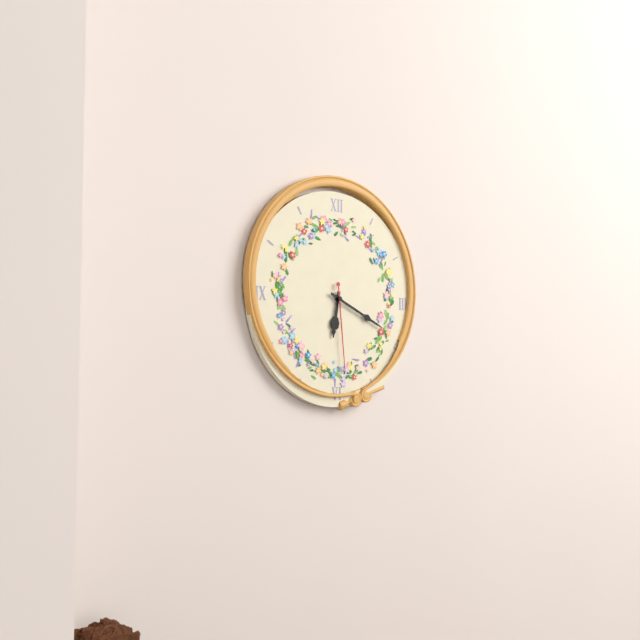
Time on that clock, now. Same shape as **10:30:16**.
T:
**6:19:29**
